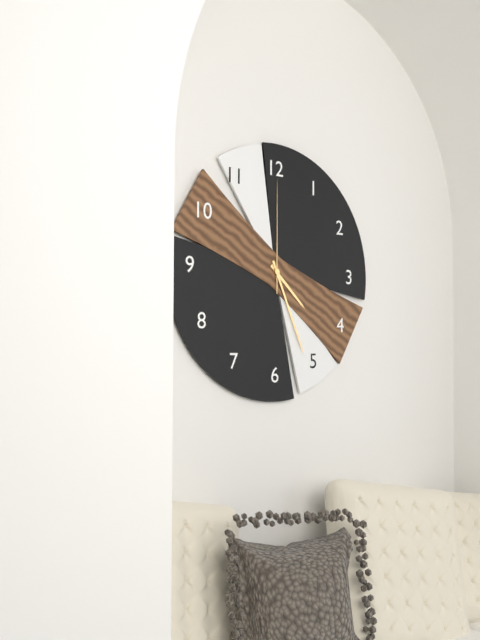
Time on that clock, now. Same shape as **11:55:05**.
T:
**4:26:00**
